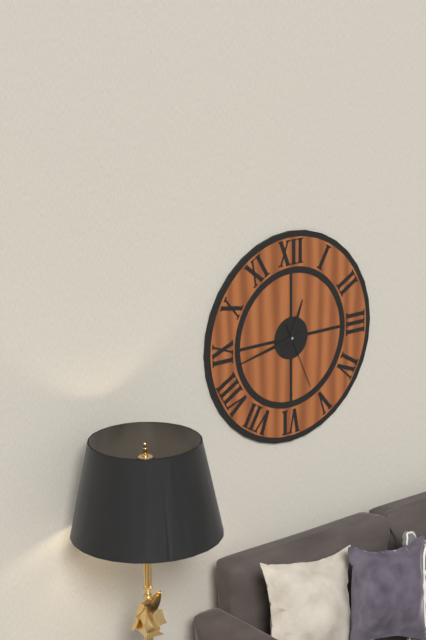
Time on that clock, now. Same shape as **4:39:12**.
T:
**12:43:26**
